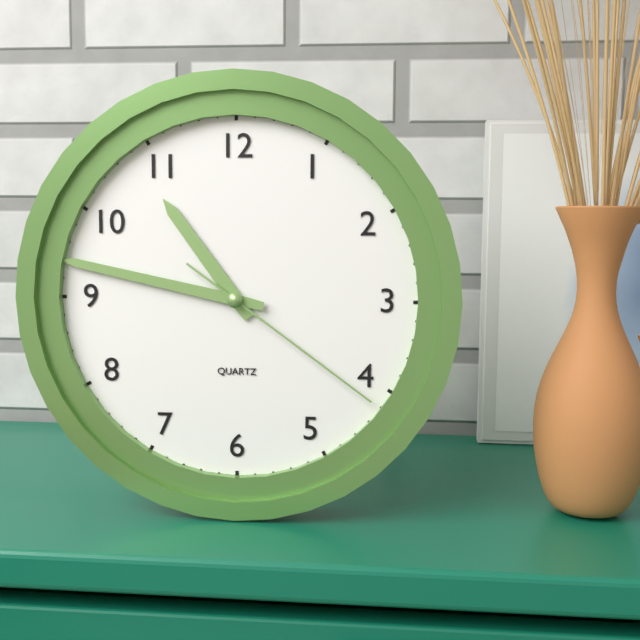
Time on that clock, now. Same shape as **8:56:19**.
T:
**10:47:21**
